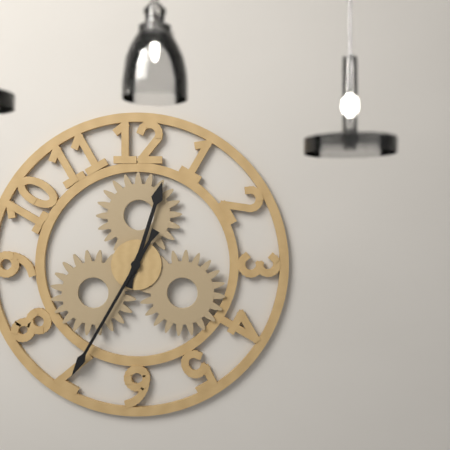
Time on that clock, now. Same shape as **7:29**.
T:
**12:35**
